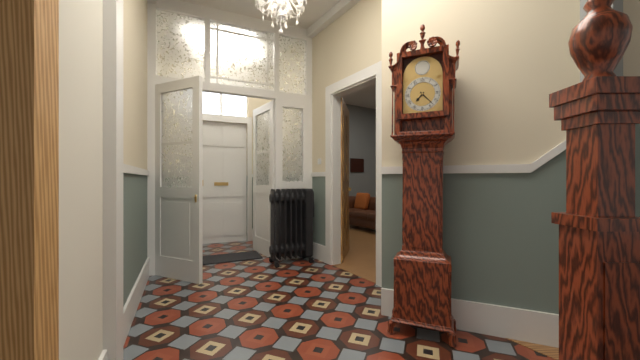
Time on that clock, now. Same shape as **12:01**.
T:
**7:23**
